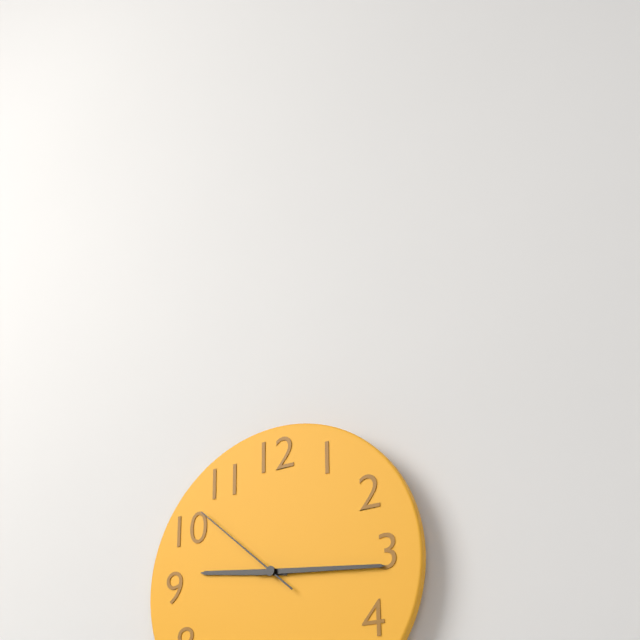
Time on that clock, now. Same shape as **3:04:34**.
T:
**9:16:52**
